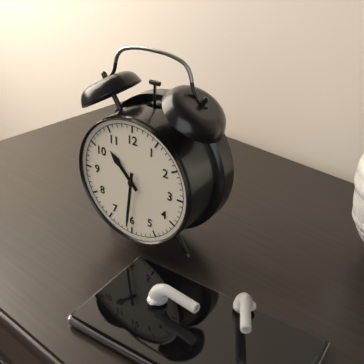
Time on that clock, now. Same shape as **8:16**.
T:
**10:31**
